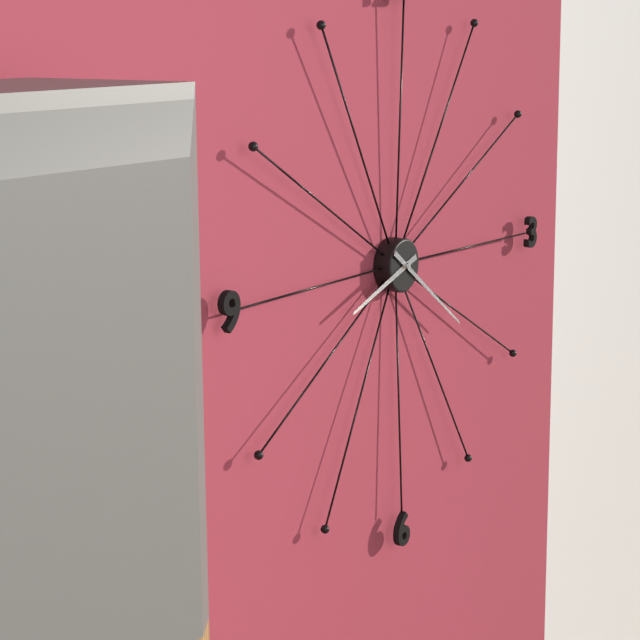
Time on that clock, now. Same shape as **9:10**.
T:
**8:21**
